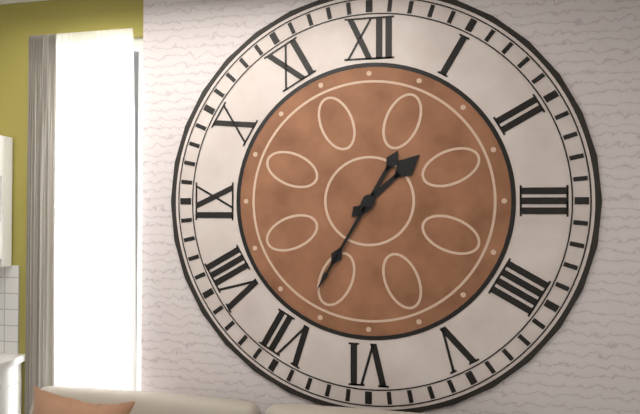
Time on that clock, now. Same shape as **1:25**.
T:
**1:35**
